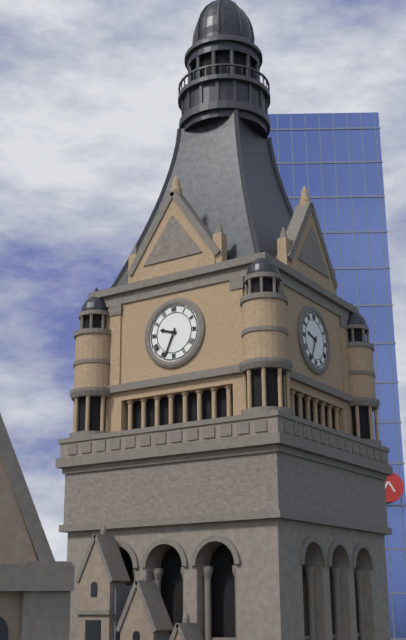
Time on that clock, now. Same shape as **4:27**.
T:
**9:34**
